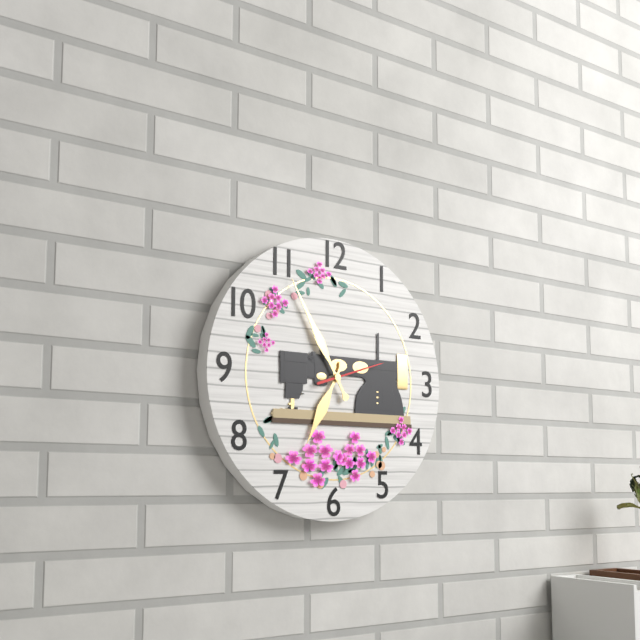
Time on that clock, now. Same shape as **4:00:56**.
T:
**6:55:12**
